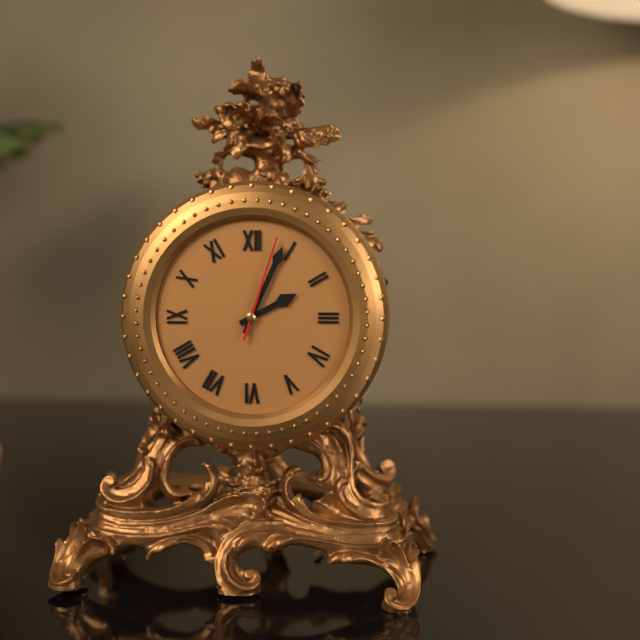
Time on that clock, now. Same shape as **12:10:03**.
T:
**2:04:03**
